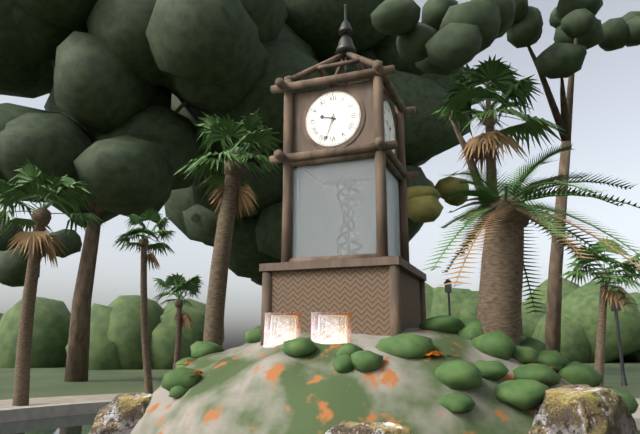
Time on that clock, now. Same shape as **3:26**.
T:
**9:33**
